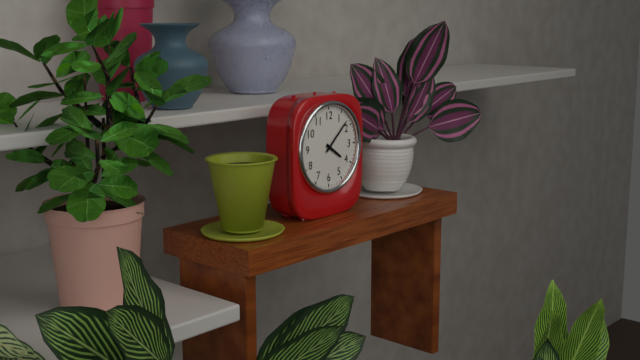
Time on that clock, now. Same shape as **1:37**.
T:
**4:08**
